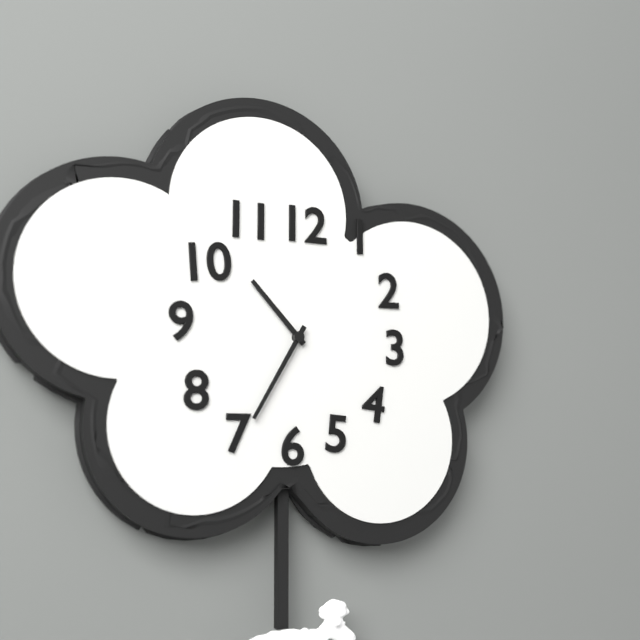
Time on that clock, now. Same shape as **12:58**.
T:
**10:35**
